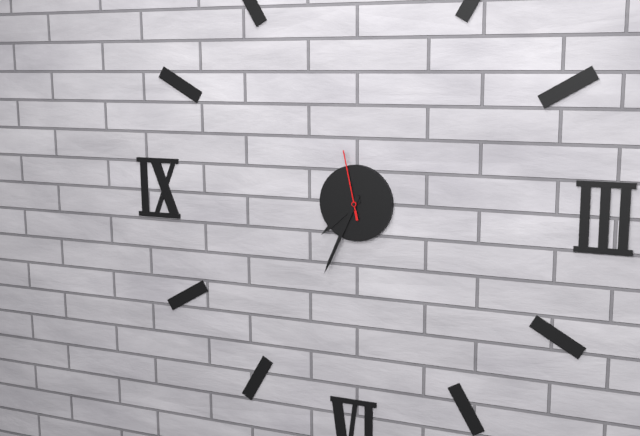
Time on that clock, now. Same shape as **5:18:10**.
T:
**7:34:58**
